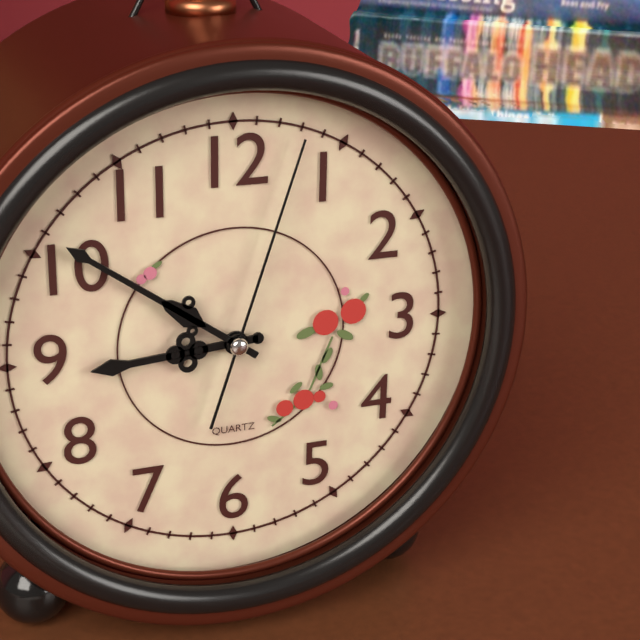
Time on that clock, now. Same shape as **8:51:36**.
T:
**8:51:03**
